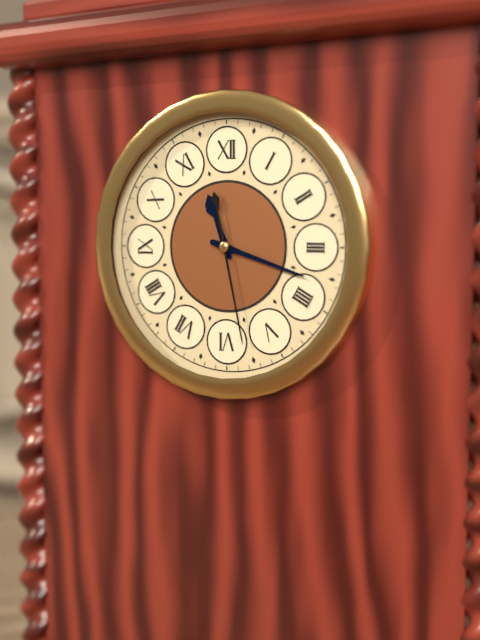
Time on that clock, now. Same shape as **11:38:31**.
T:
**11:18:28**
